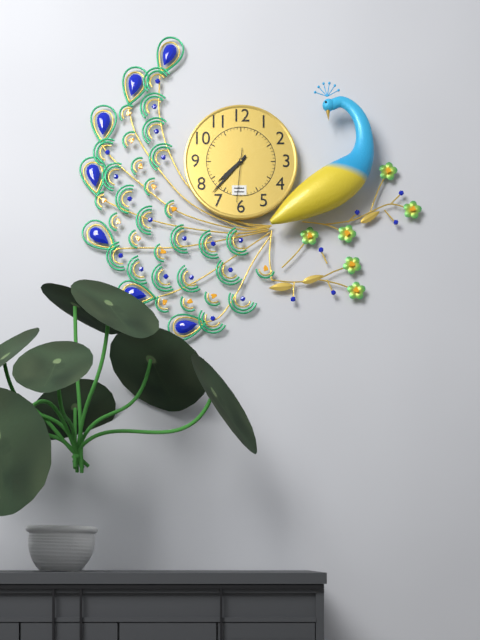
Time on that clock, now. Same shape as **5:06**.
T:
**7:37**
